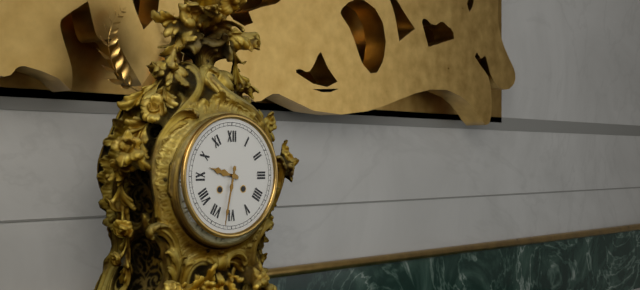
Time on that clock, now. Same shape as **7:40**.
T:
**9:32**
